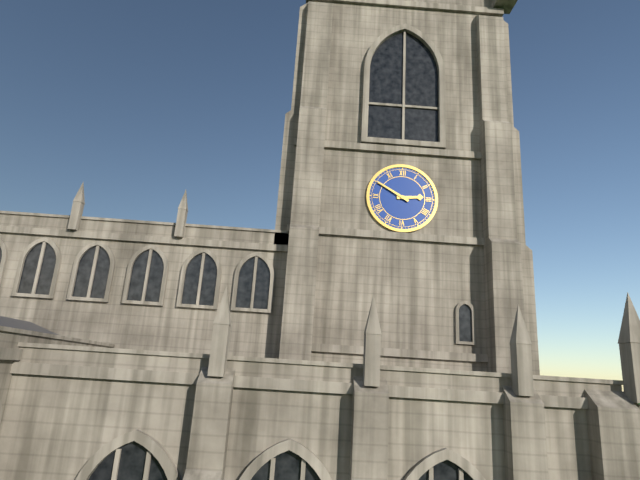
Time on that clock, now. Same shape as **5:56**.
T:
**2:50**
